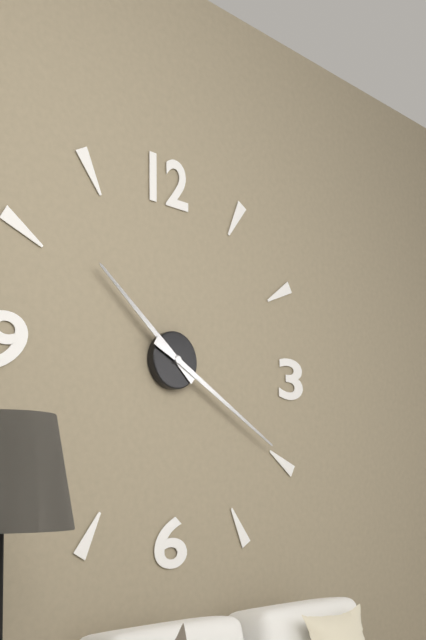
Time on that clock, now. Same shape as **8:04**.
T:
**10:20**
